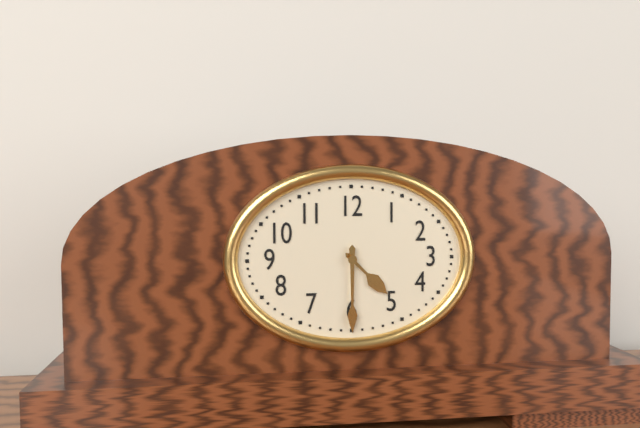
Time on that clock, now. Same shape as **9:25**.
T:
**4:30**
